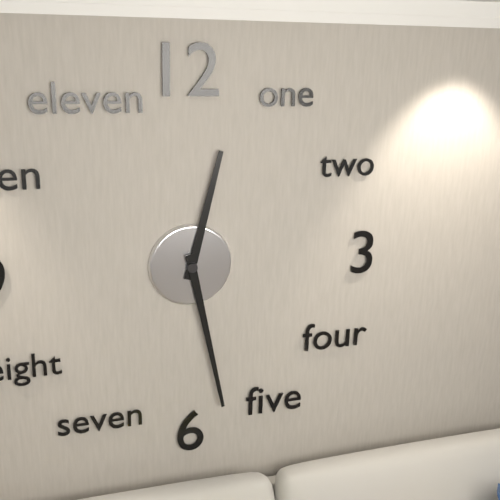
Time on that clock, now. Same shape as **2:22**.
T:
**12:28**
